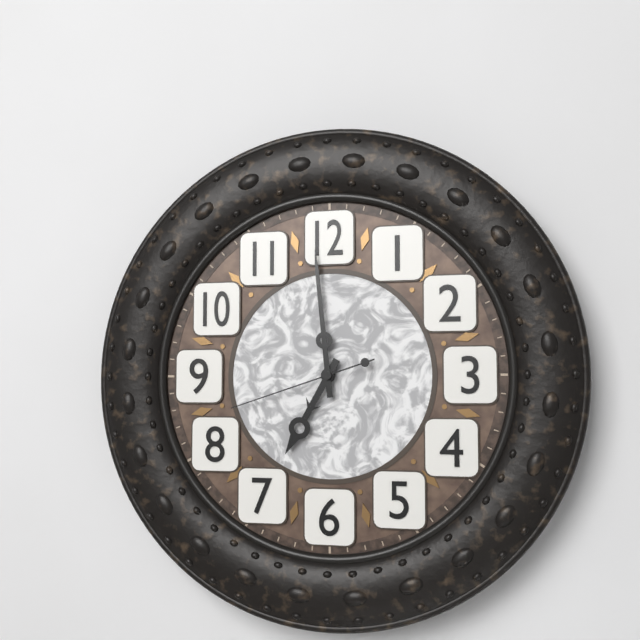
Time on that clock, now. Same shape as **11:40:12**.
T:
**6:59:42**
